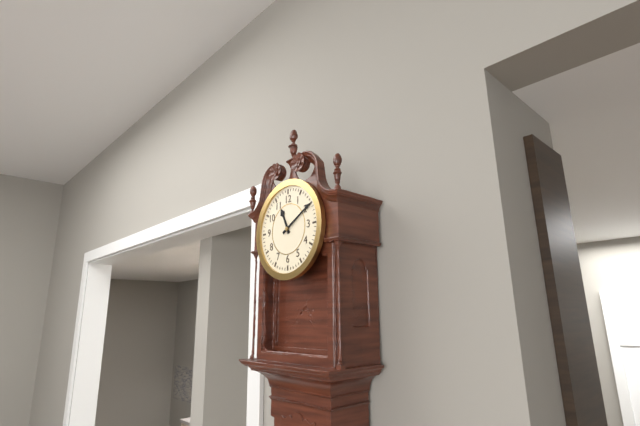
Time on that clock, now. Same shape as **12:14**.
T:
**11:10**
